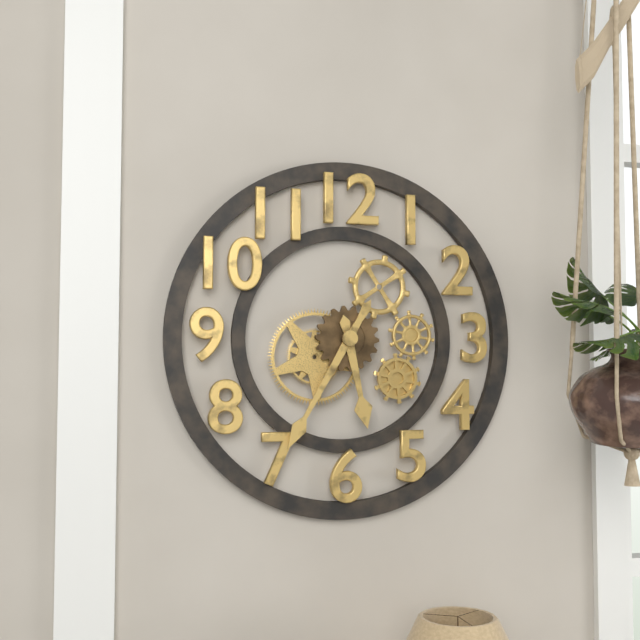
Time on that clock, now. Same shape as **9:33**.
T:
**5:35**
